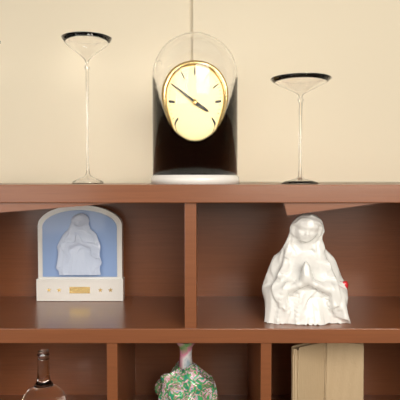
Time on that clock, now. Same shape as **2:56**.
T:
**3:50**
